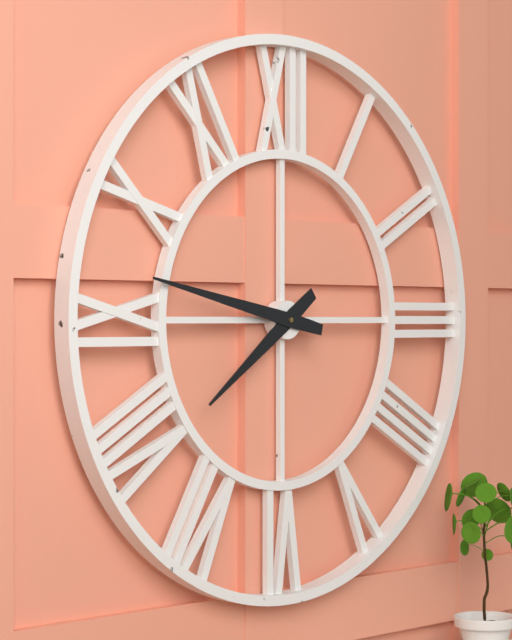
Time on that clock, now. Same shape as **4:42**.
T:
**7:47**
